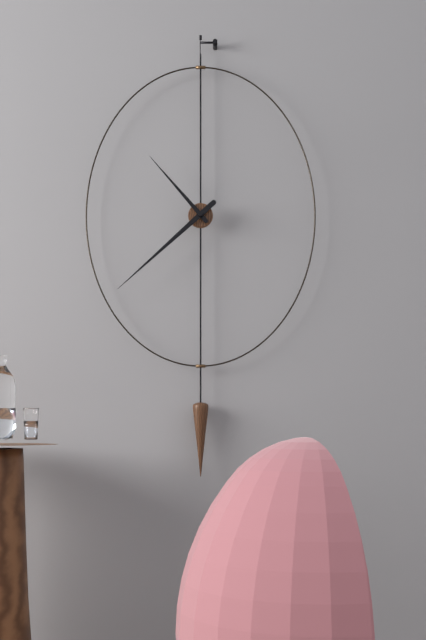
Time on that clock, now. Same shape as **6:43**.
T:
**10:38**
